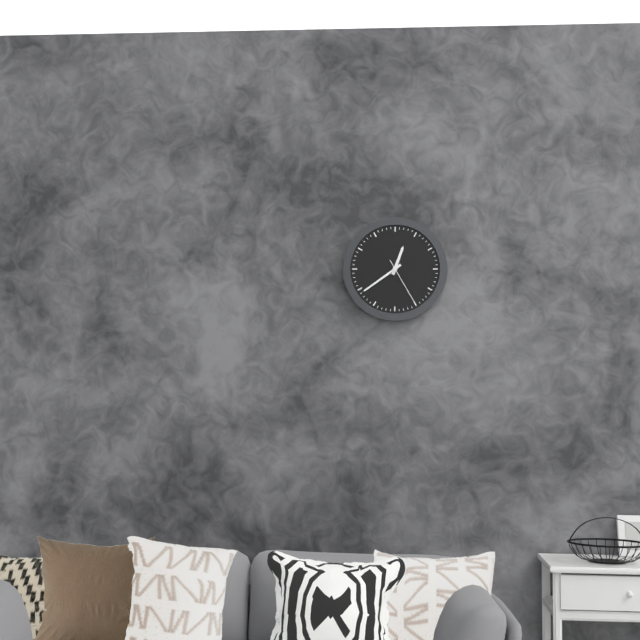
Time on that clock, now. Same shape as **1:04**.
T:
**12:39**
